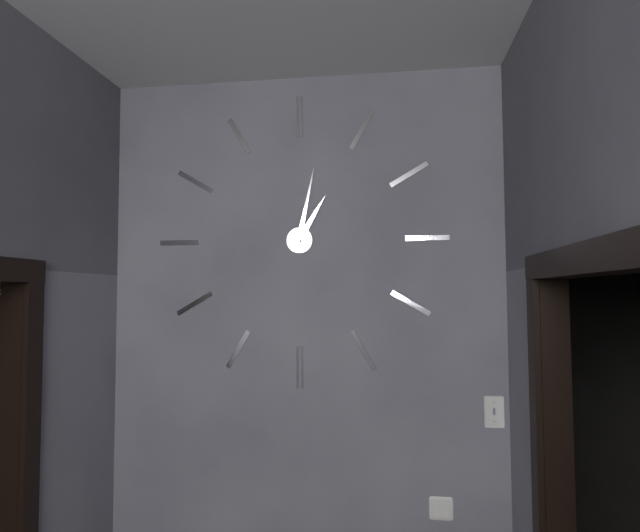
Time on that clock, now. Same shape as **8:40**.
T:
**1:02**
